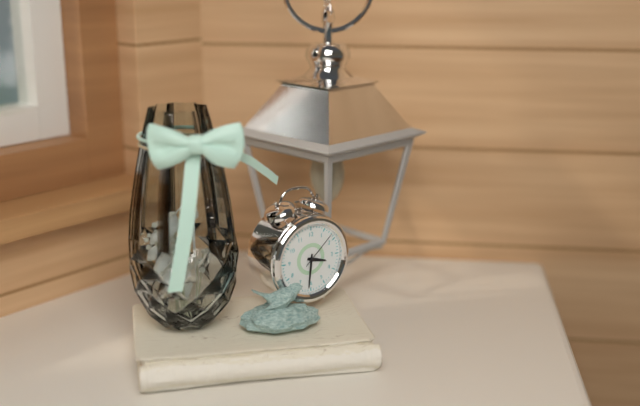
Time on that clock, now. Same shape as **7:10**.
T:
**3:31**
